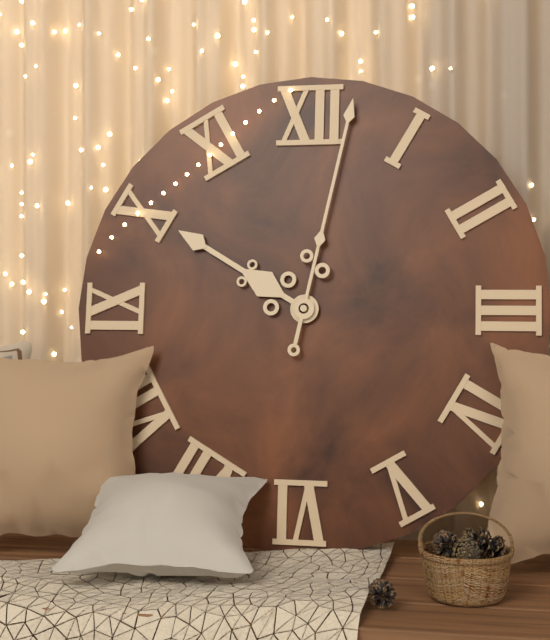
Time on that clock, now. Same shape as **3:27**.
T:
**10:02**
